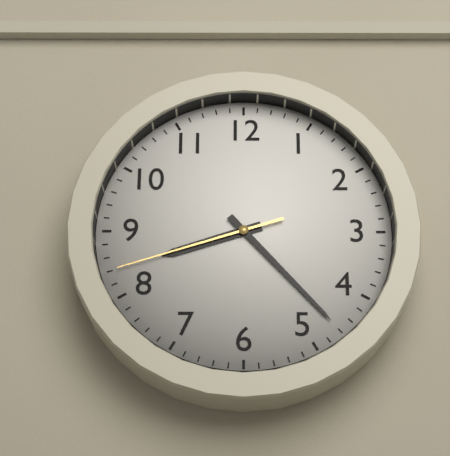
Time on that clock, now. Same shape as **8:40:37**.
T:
**8:23:42**
